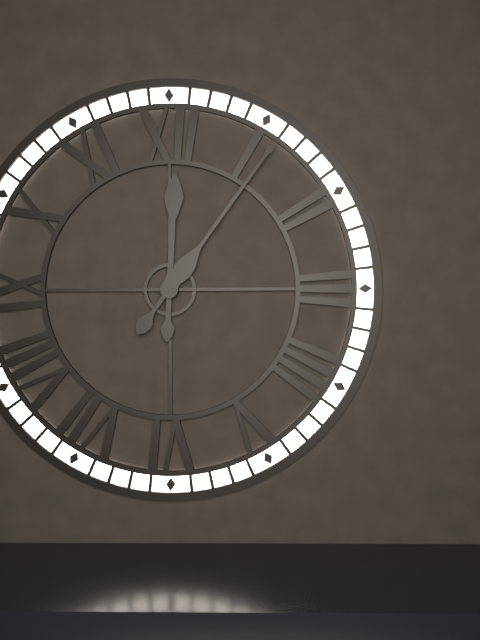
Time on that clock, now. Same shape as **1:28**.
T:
**12:06**
